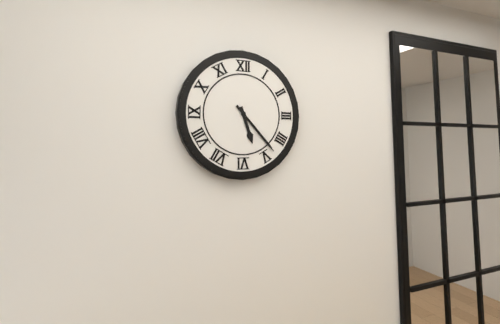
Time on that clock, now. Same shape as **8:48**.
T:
**5:23**
